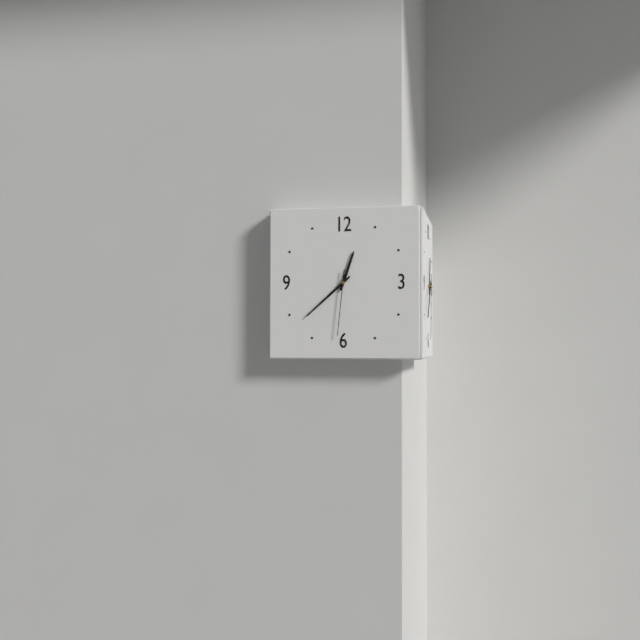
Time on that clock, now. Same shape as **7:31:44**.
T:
**12:38:31**
